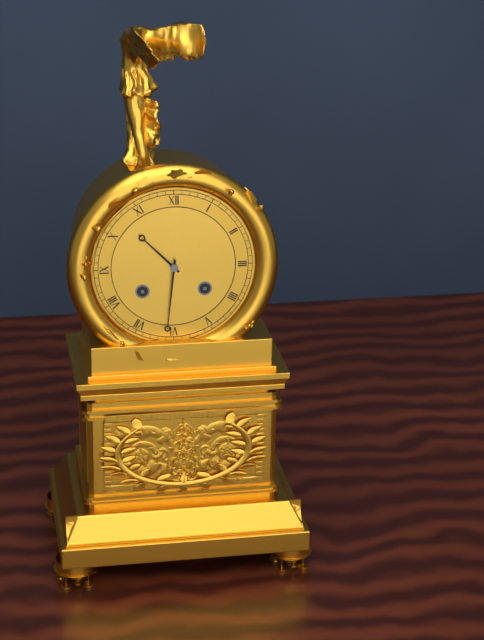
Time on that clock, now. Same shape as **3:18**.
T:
**10:31**
